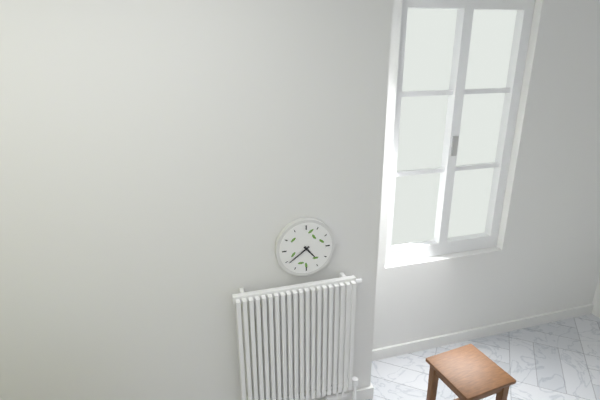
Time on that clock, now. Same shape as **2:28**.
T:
**4:39**
